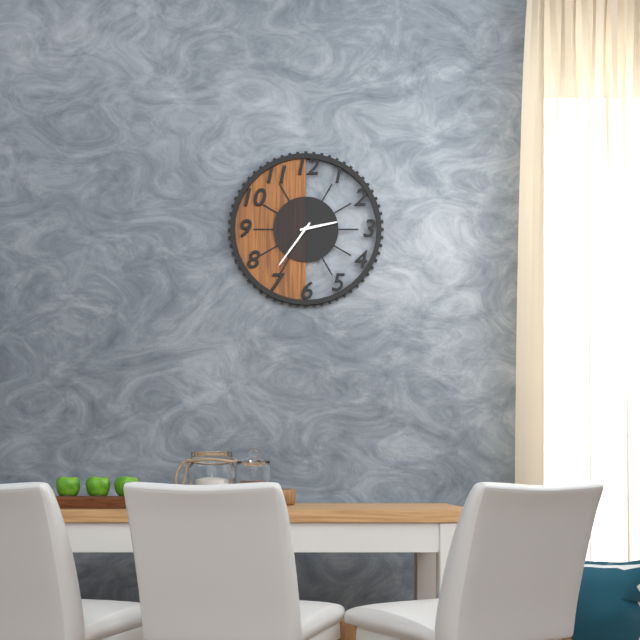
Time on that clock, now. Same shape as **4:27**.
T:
**2:36**
